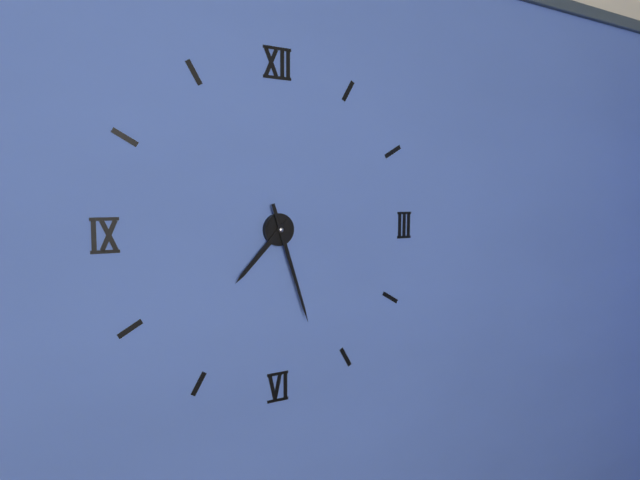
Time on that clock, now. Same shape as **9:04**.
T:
**7:27**
